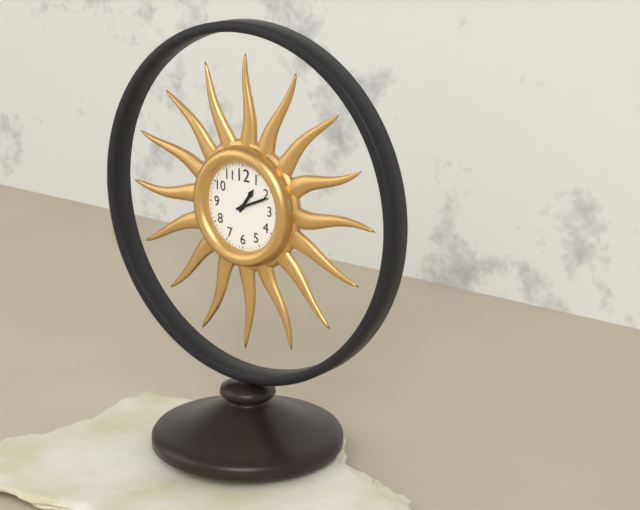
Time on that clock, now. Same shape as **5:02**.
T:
**1:11**
